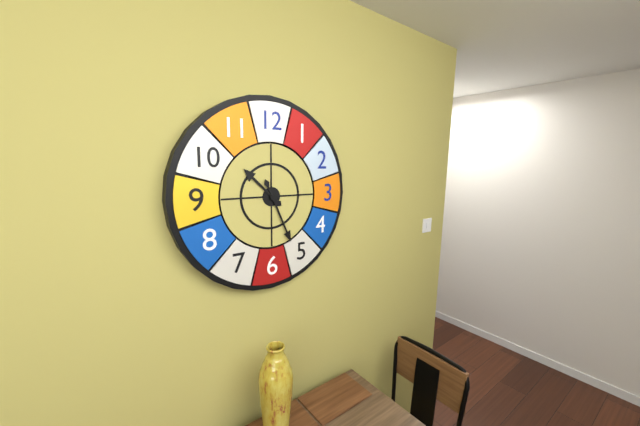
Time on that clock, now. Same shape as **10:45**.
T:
**10:26**
